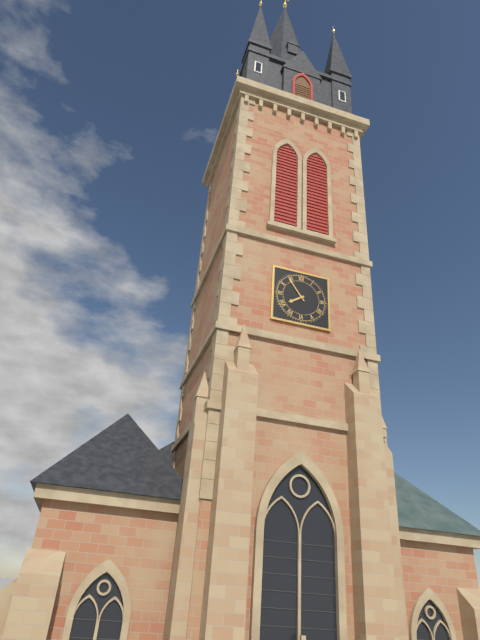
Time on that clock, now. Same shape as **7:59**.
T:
**7:54**
